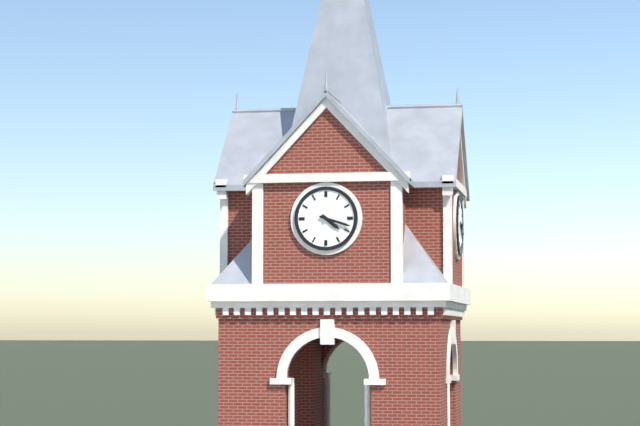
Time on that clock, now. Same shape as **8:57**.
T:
**4:18**
